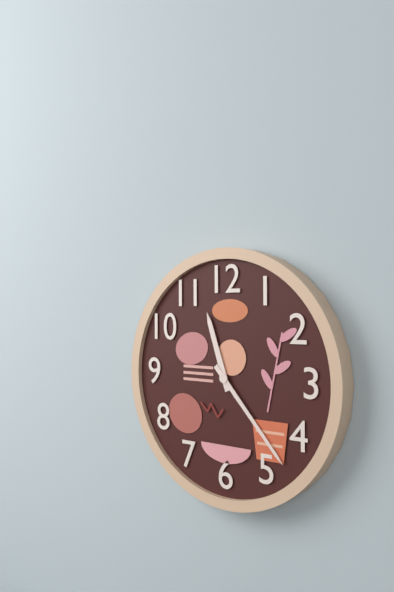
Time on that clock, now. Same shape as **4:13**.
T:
**11:23**
